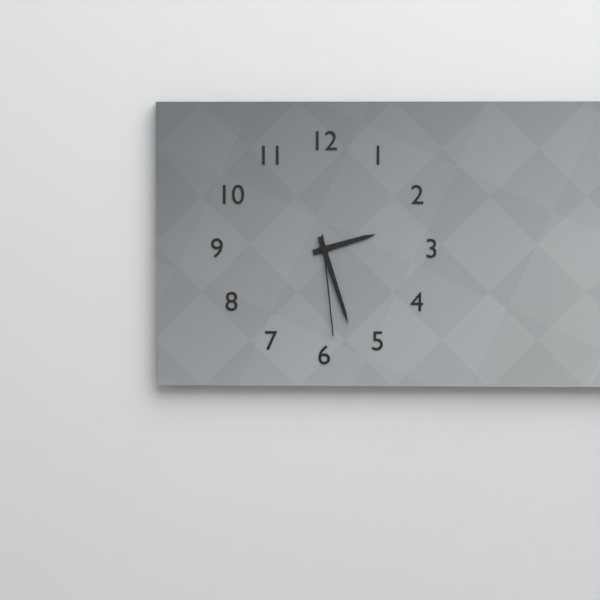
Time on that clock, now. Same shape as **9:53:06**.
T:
**2:27:29**
